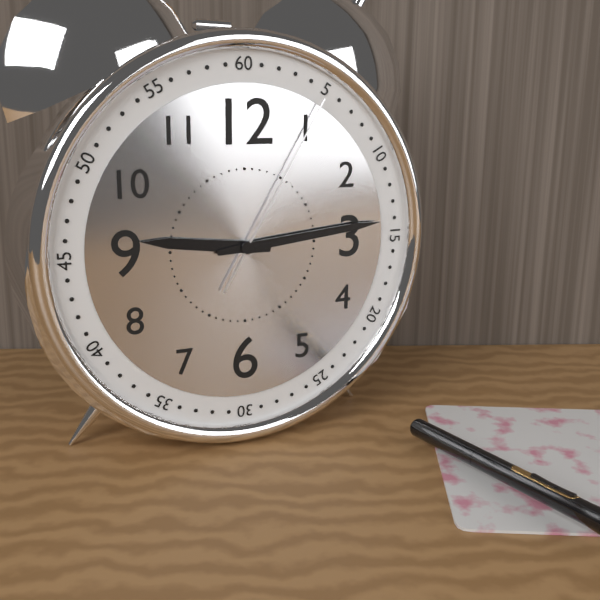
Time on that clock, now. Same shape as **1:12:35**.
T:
**9:14:05**
